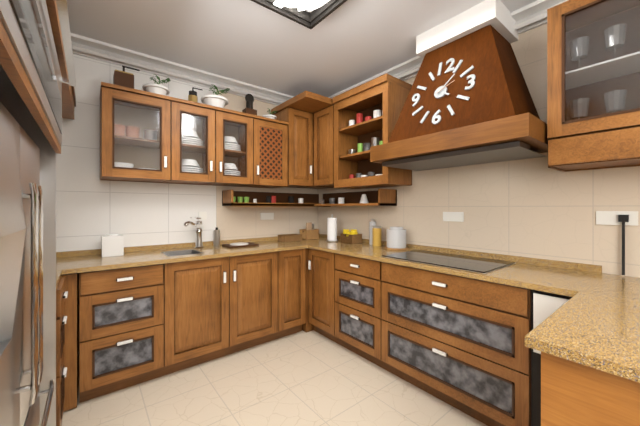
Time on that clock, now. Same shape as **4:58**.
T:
**4:07**
